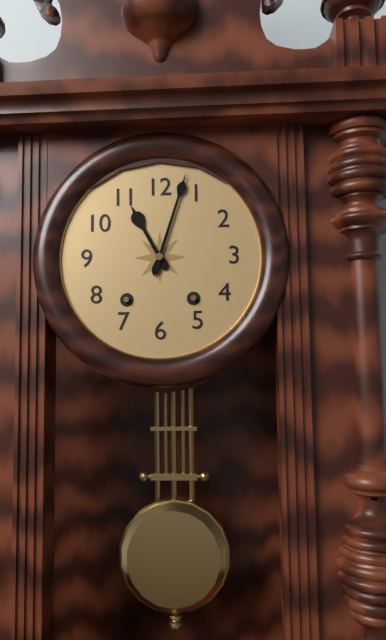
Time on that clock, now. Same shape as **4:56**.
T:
**11:03**
